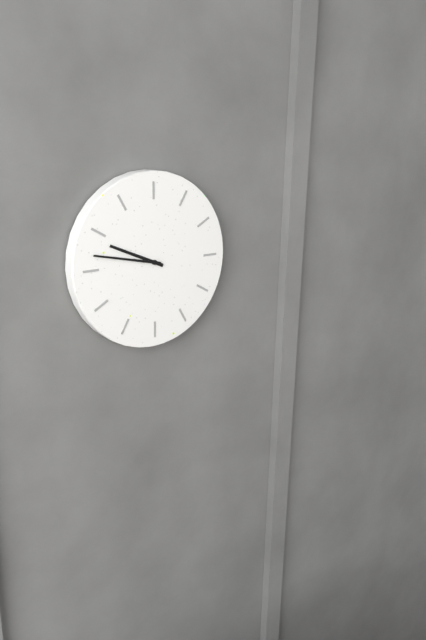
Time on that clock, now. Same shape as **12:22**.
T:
**9:47**
